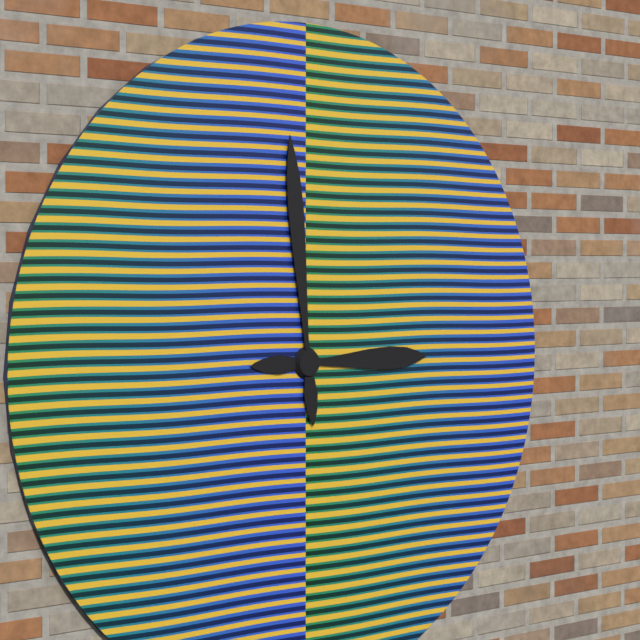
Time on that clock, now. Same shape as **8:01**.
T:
**2:59**
